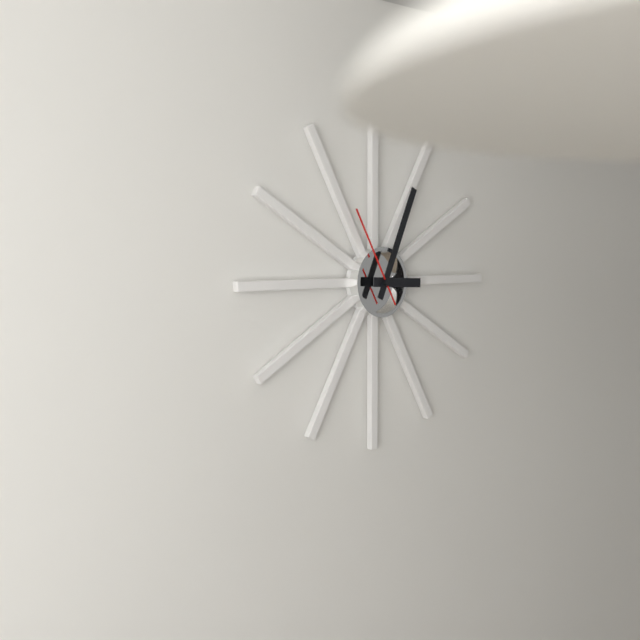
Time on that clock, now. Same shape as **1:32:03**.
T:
**3:04:55**
